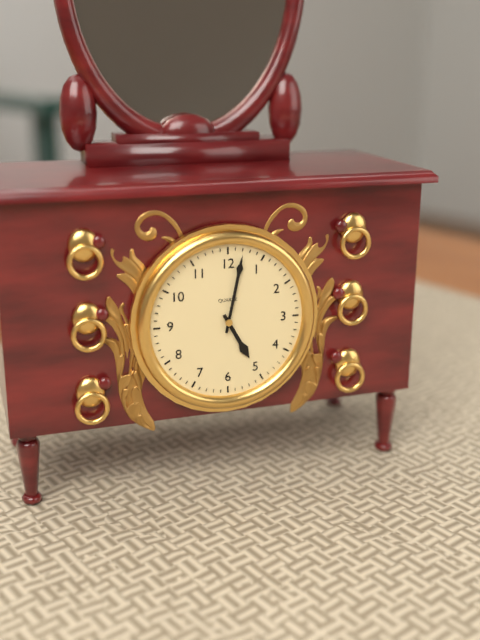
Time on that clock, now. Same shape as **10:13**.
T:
**5:02**
